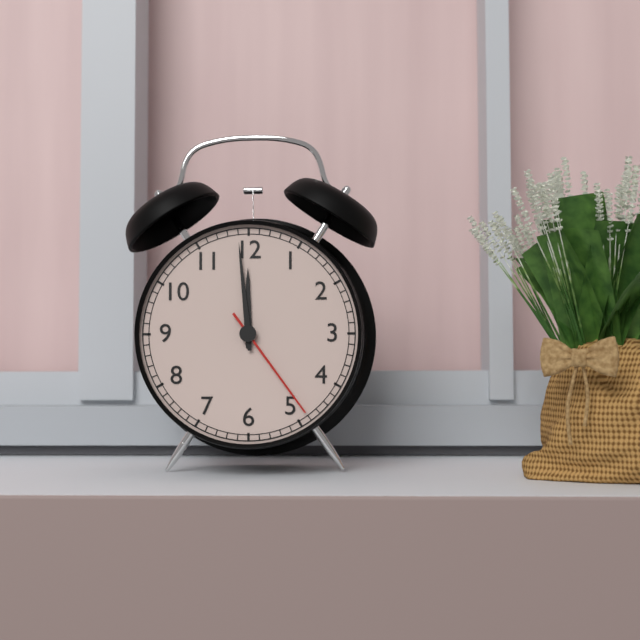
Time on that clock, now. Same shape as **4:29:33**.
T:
**11:59:24**
